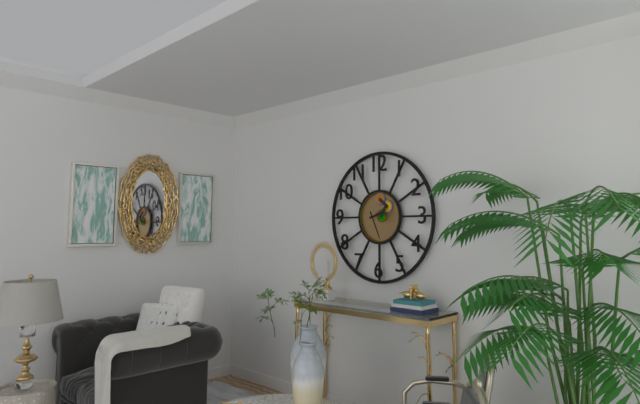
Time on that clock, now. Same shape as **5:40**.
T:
**2:26**
